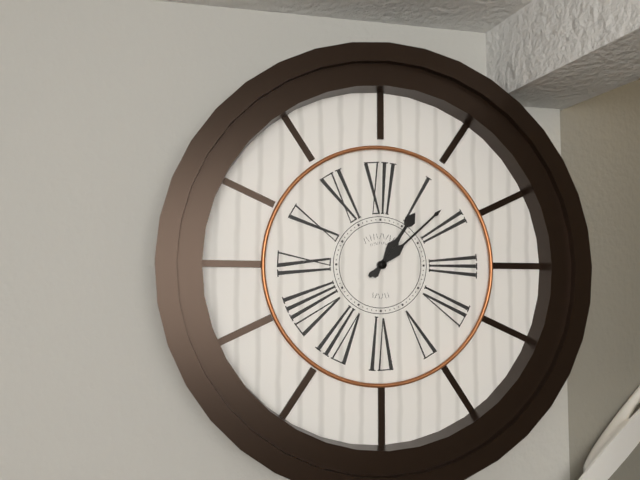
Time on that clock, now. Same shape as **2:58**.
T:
**1:08**
